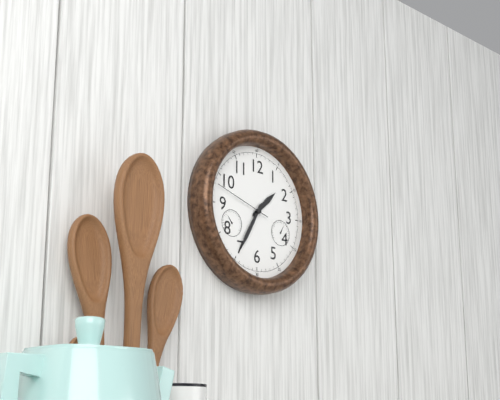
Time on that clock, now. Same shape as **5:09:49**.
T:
**1:35:48**
